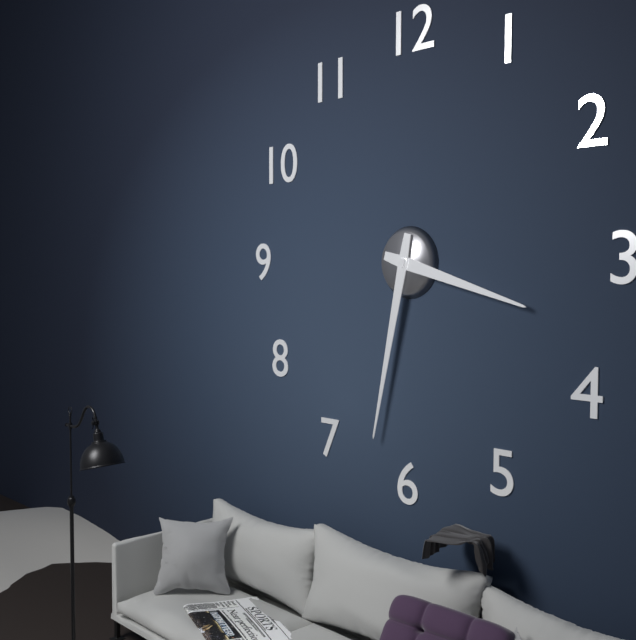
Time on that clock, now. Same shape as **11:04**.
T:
**3:32**
